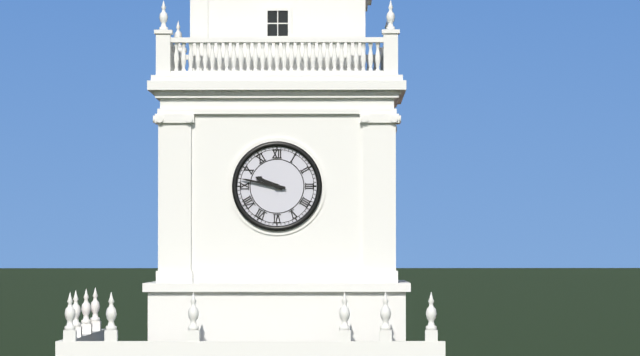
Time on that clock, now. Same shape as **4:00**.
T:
**9:47**
